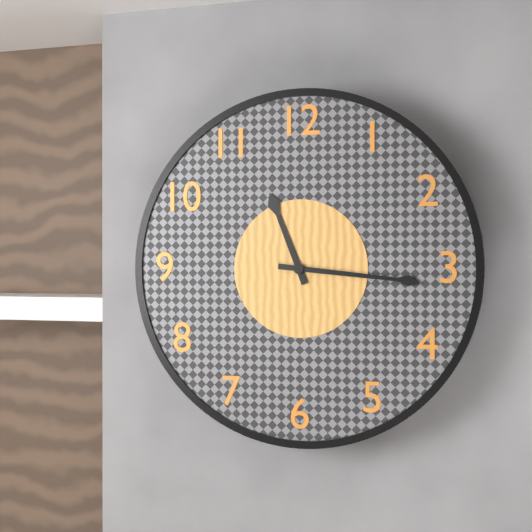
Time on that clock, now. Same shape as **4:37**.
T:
**11:16**
